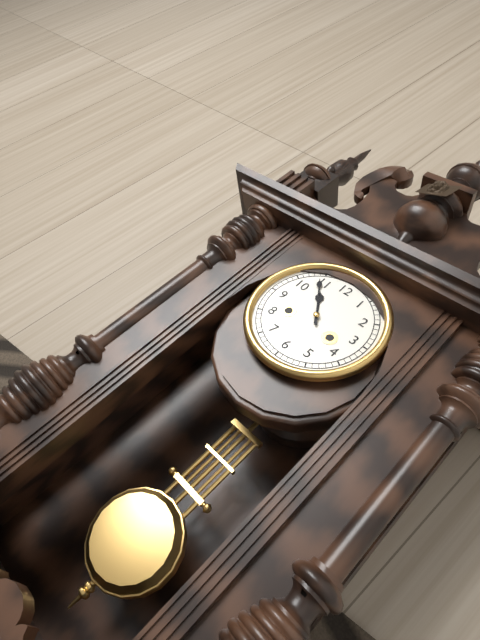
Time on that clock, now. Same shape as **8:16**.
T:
**10:54**
